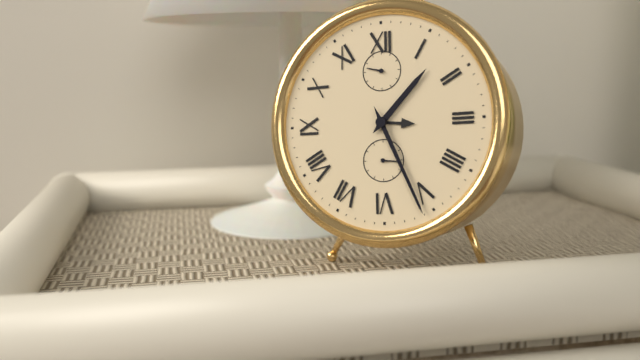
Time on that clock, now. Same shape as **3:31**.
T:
**1:26**
